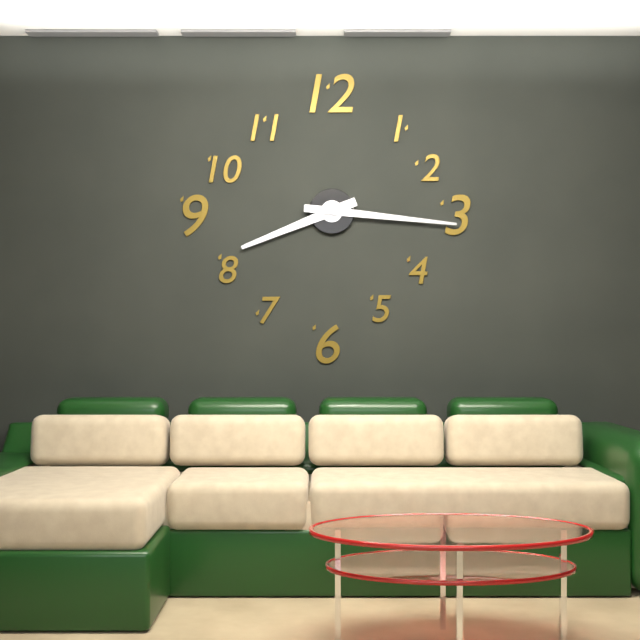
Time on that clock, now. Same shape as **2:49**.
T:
**8:16**
